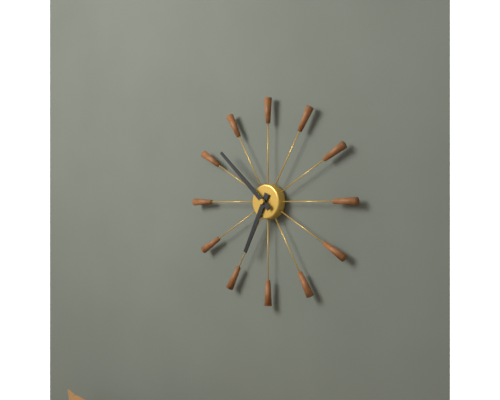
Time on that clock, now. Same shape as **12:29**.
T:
**6:52**
